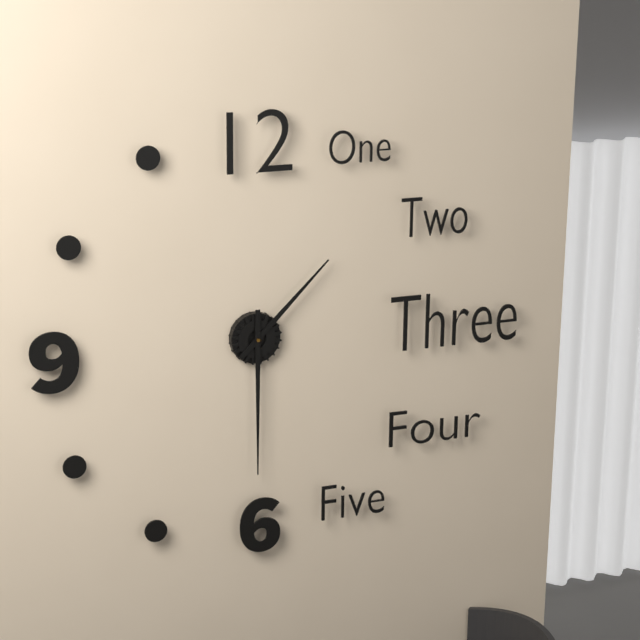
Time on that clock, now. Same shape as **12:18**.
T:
**1:30**
